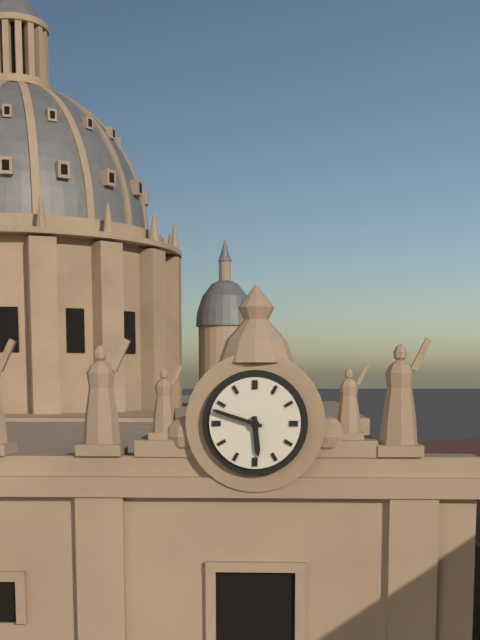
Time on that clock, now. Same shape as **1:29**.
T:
**5:48**
